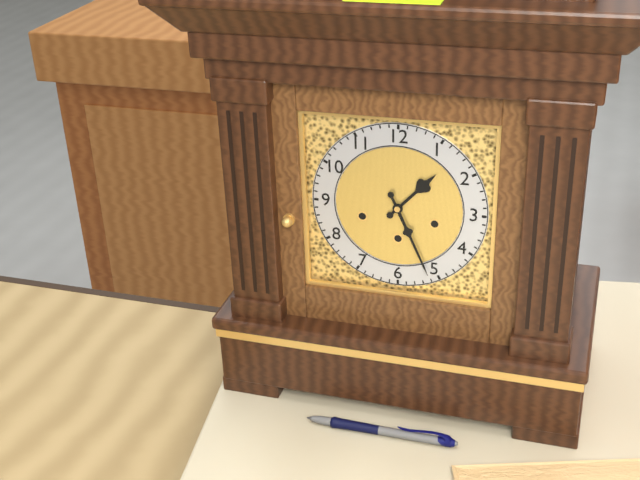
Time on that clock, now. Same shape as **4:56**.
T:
**1:26**
